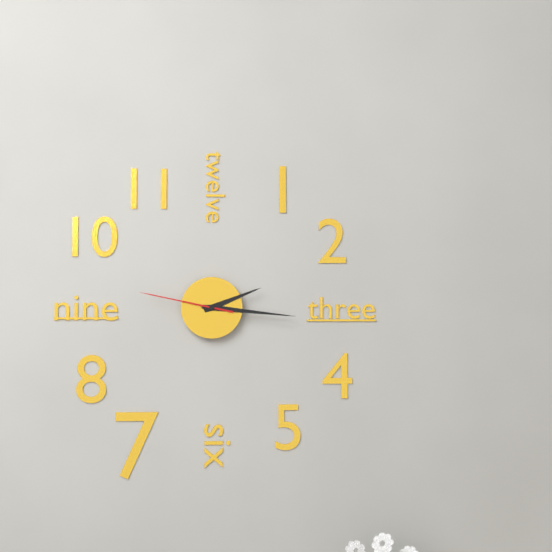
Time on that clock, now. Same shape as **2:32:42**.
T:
**2:16:47**
